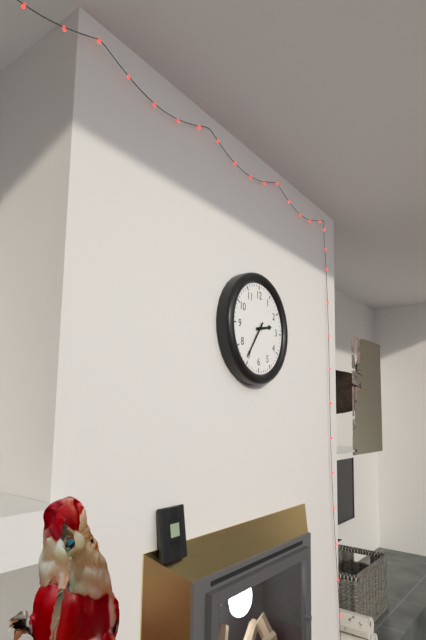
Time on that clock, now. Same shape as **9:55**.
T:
**2:36**
